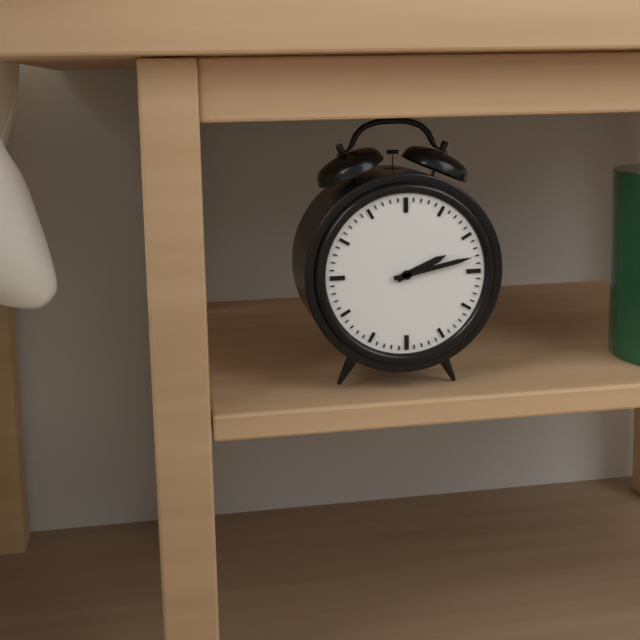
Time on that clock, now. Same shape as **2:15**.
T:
**2:13**
